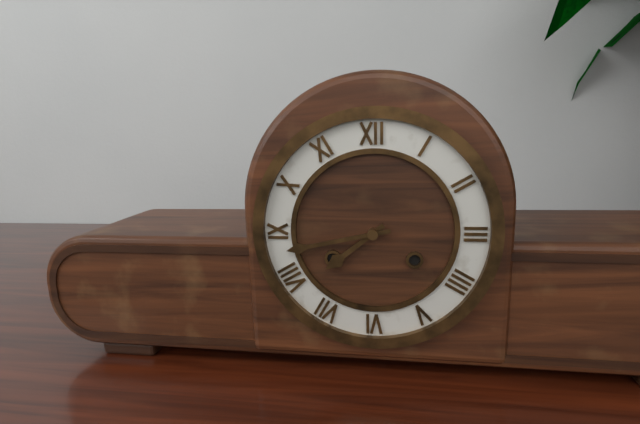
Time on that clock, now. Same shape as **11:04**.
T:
**7:43**
